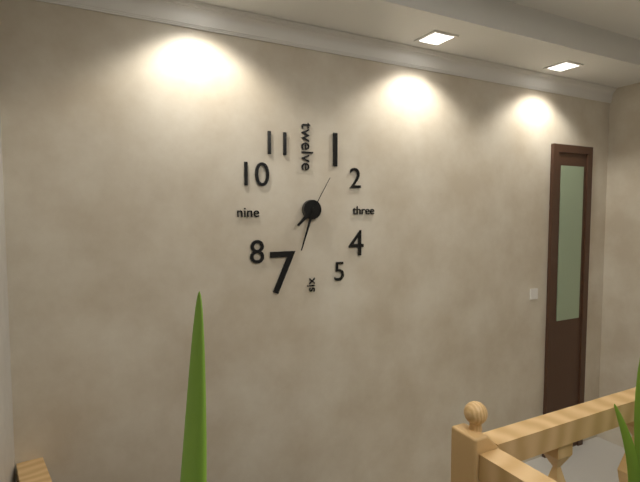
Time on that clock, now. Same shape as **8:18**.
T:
**7:33**
